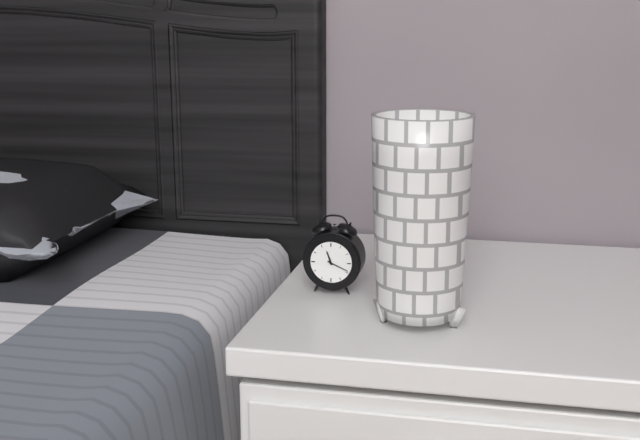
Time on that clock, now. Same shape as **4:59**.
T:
**11:19**
